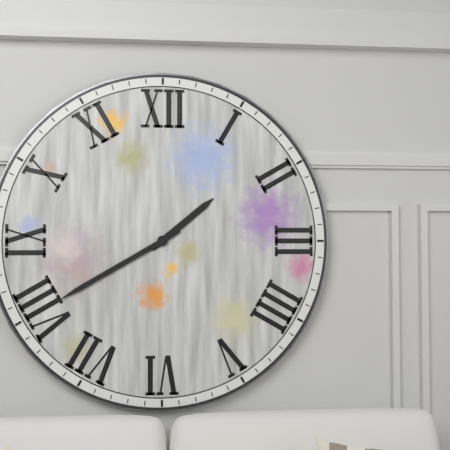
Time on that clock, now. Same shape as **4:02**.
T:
**1:40**
